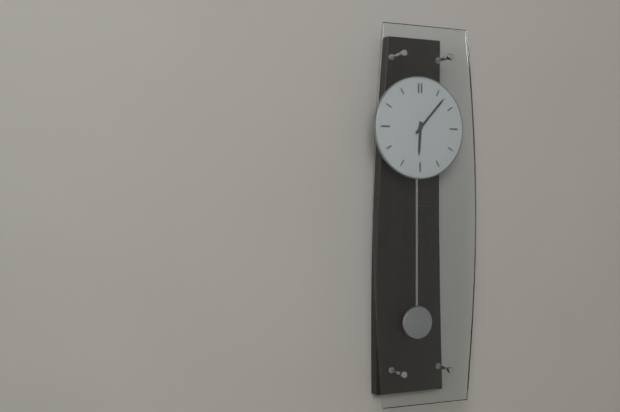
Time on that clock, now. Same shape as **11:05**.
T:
**6:07**
